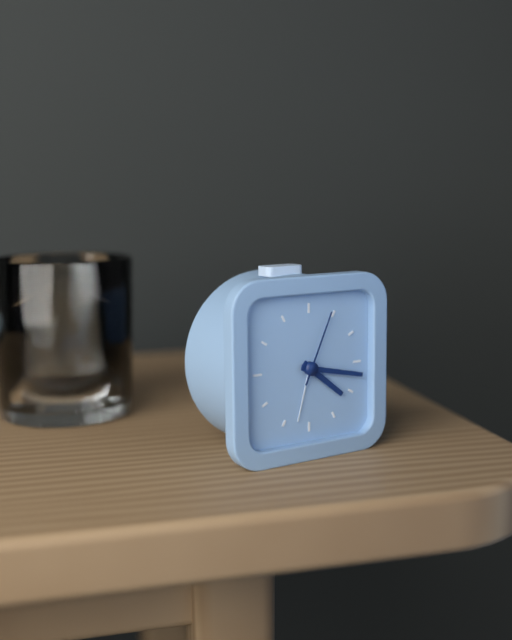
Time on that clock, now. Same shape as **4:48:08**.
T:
**4:17:04**
